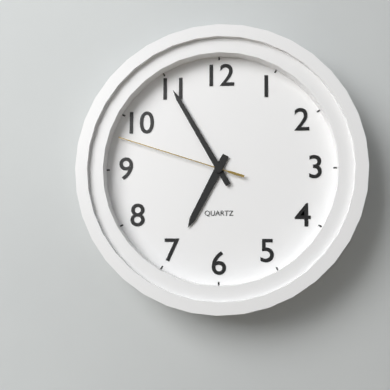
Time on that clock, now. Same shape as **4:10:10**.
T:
**6:55:48**
